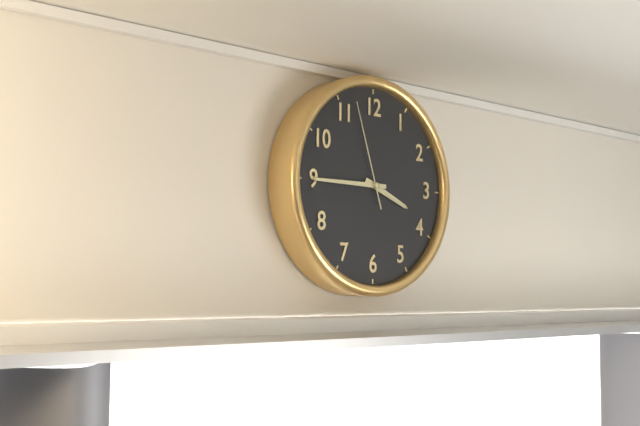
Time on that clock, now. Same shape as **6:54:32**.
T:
**3:45:57**
